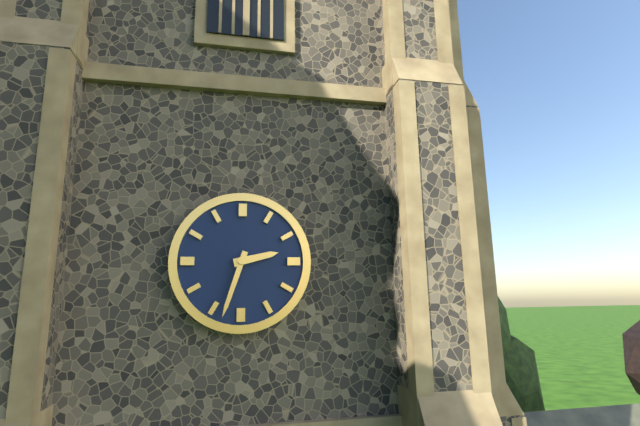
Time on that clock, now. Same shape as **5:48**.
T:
**2:33**
